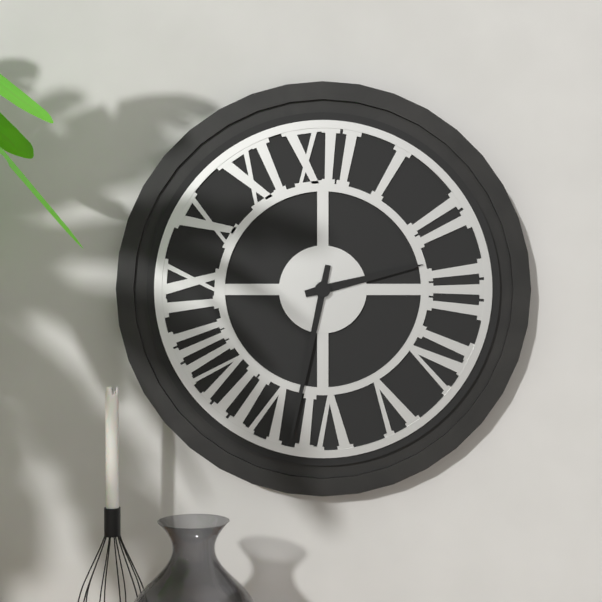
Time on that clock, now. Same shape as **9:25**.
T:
**2:32**
